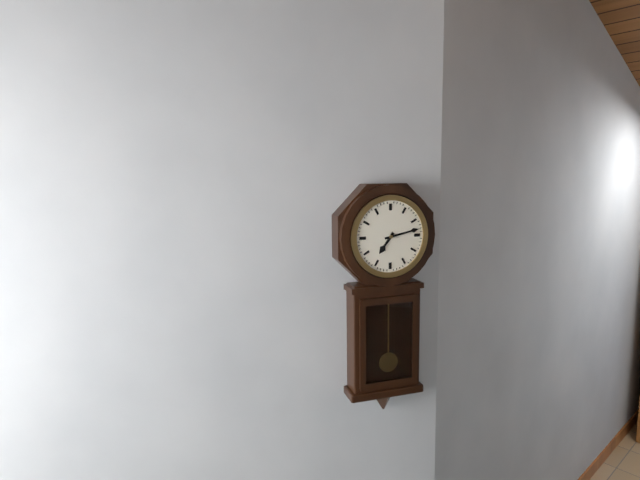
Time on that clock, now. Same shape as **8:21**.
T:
**7:13**
